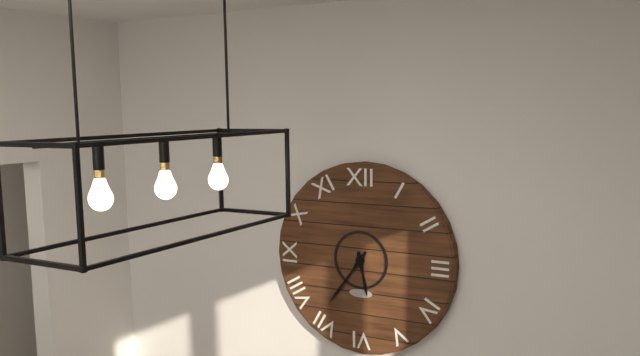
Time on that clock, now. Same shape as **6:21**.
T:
**5:36**
